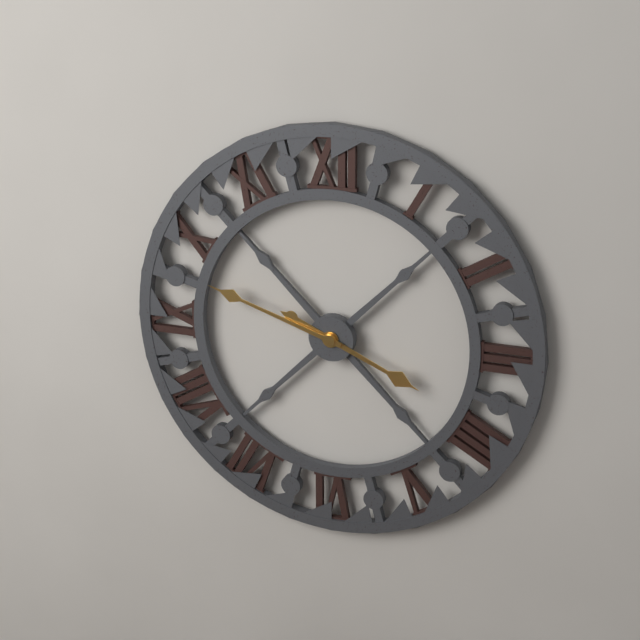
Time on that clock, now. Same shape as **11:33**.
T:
**3:48**
